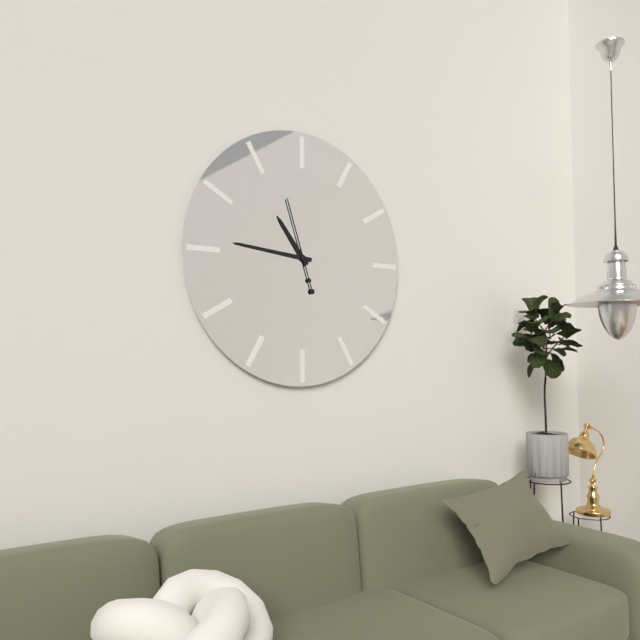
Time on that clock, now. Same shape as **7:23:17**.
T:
**10:46:57**
